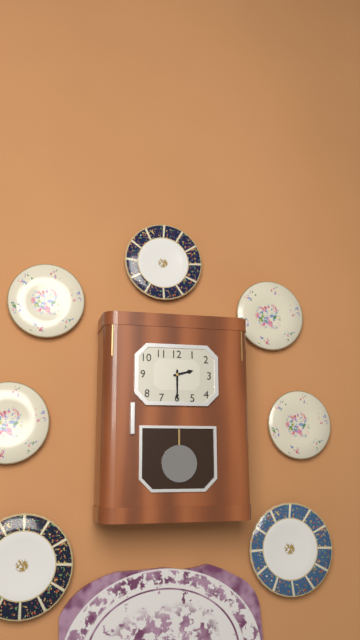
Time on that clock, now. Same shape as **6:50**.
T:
**2:30**
